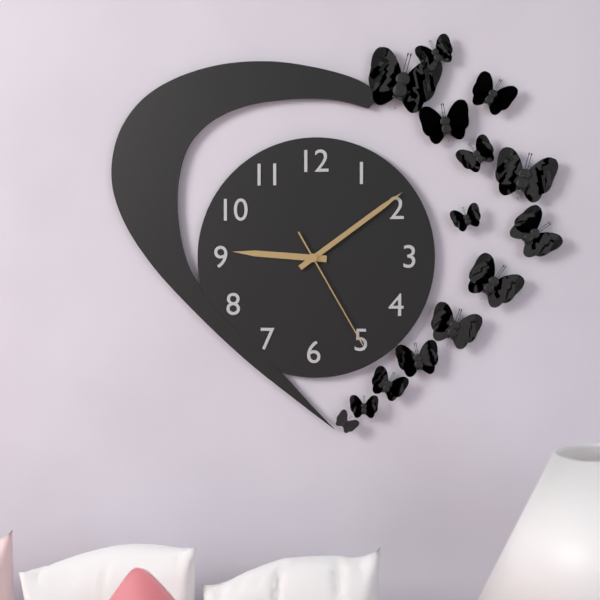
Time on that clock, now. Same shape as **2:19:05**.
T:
**9:09:25**
